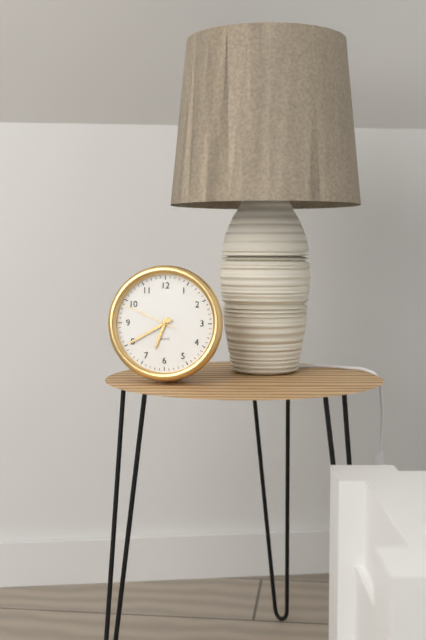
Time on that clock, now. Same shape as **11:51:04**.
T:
**6:40:49**
